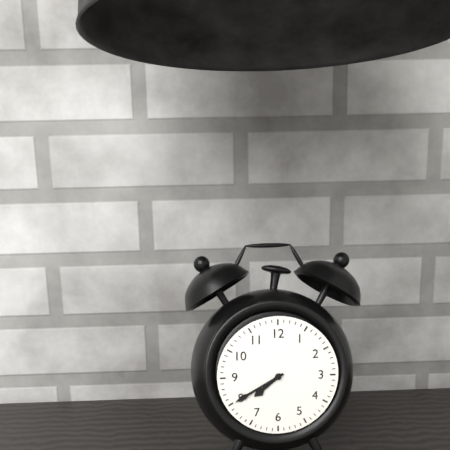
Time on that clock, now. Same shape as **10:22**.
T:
**7:40**
